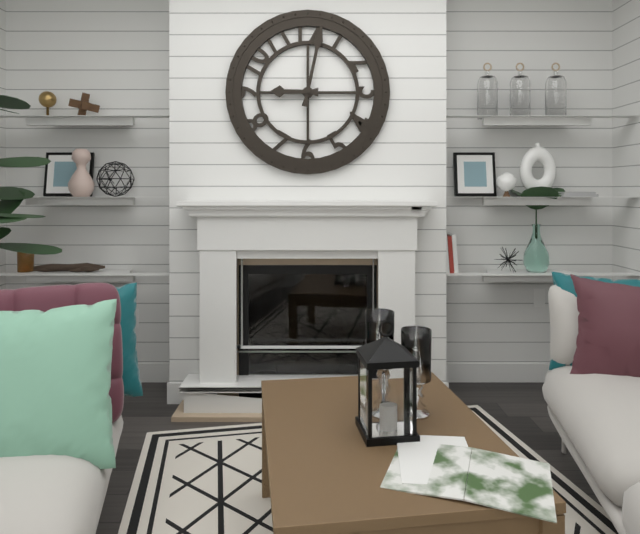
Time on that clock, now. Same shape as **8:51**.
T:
**9:02**
